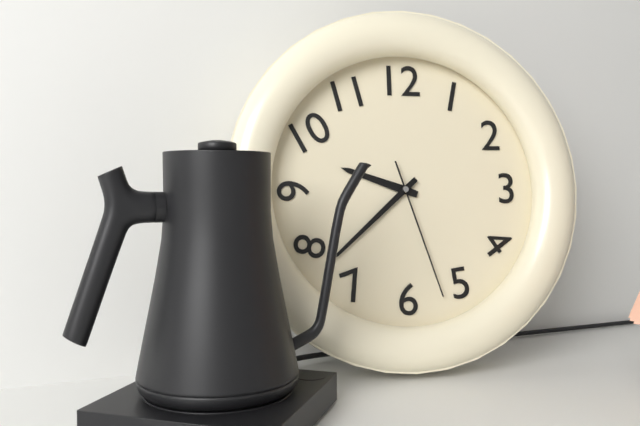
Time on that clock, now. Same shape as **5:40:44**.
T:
**9:38:27**
